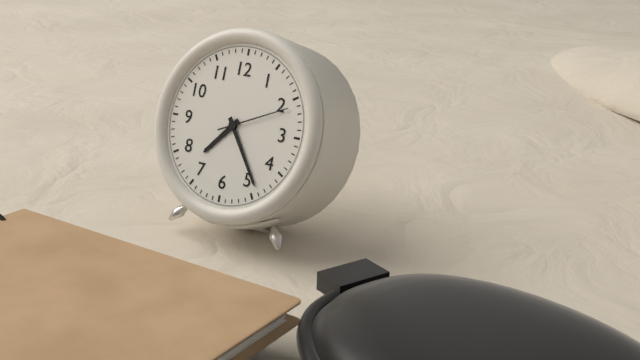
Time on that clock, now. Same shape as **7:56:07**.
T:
**7:24:11**
